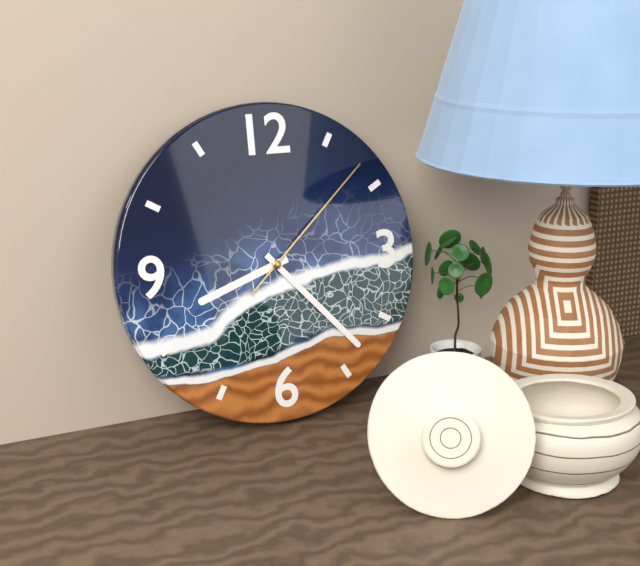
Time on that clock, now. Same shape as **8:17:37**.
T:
**8:23:08**
